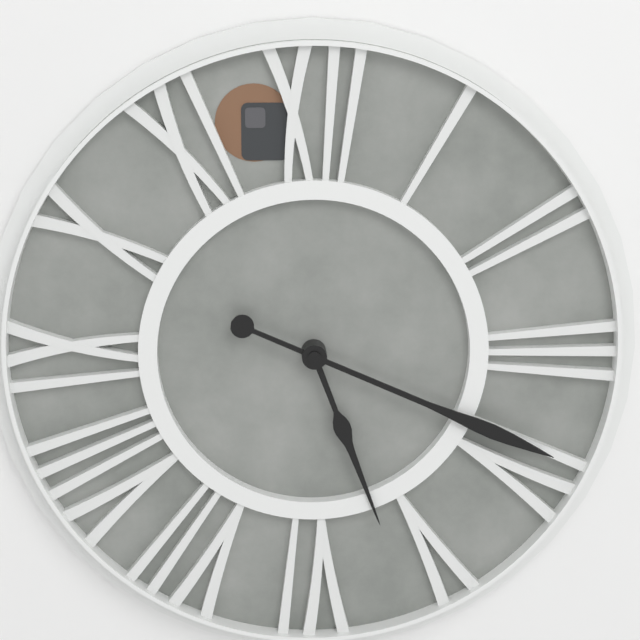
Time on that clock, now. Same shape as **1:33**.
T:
**5:19**
